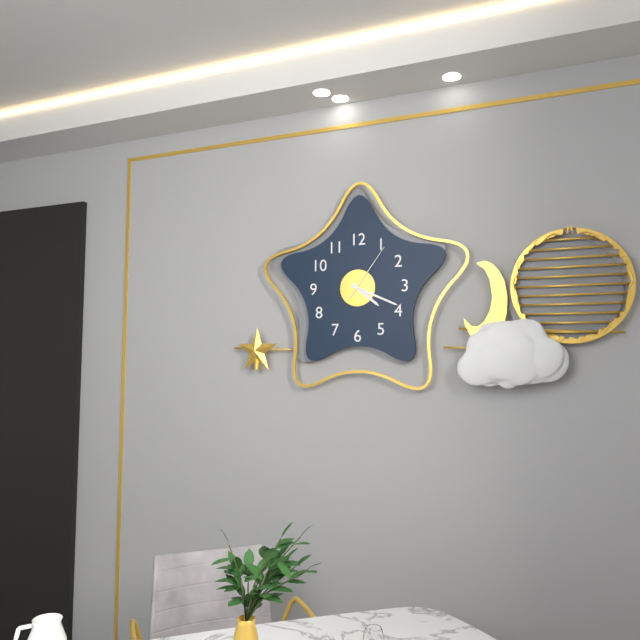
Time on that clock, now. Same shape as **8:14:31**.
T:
**4:19:06**
